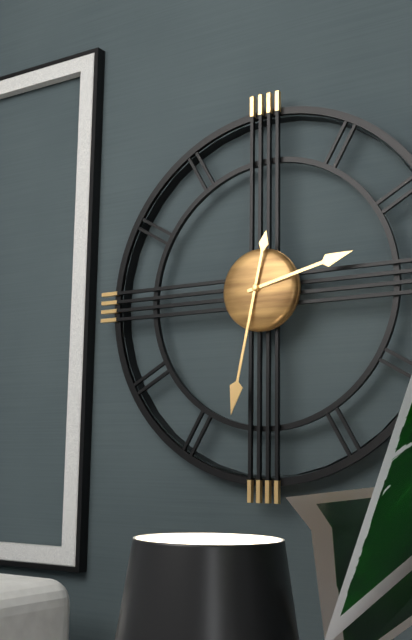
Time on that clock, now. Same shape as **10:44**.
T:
**2:32**
